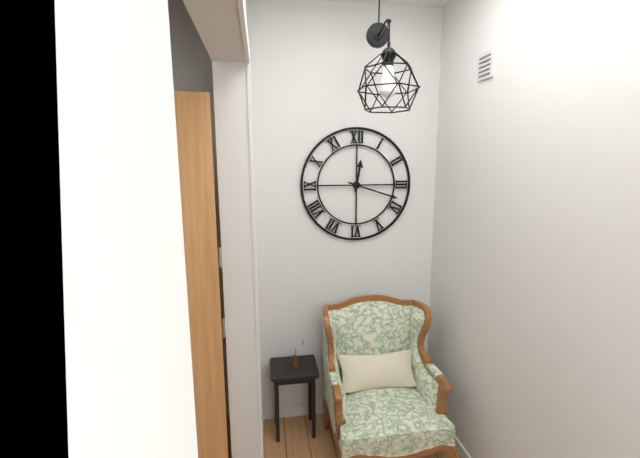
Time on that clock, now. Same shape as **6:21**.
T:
**12:18**
